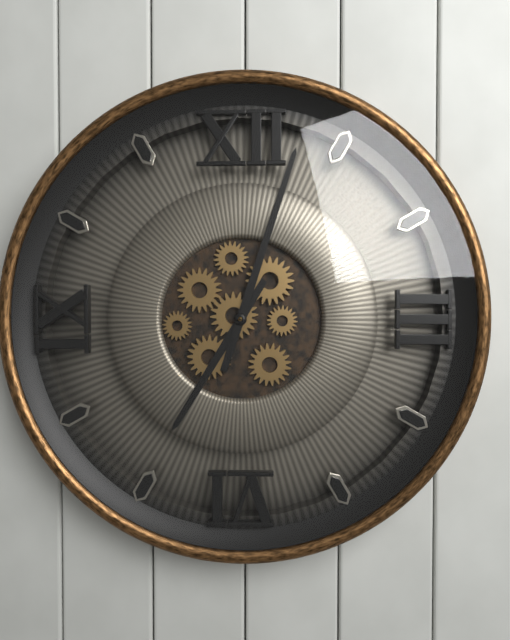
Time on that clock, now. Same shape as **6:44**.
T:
**7:03**
